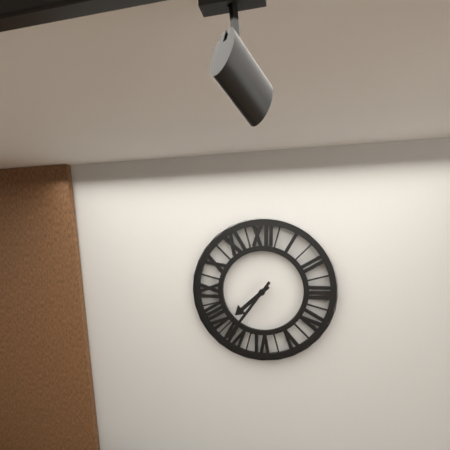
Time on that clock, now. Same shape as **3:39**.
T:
**7:36**
